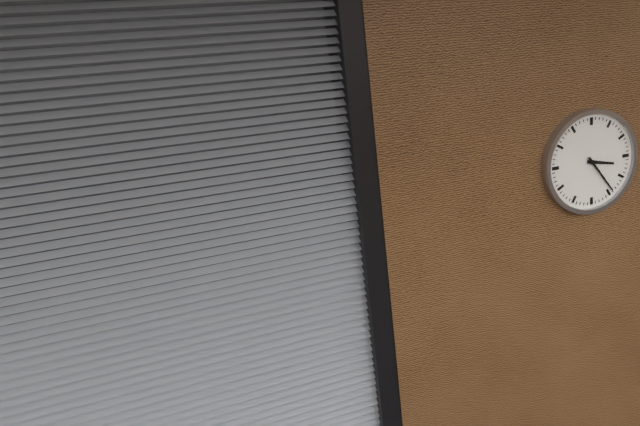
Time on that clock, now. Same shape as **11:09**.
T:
**3:24**
